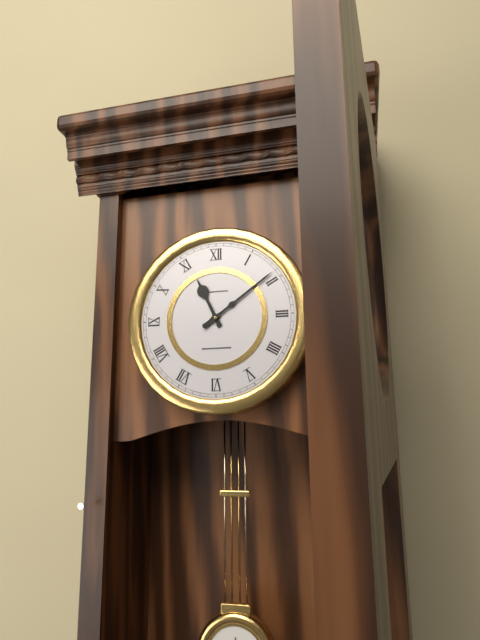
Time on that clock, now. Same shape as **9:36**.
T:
**11:09**
